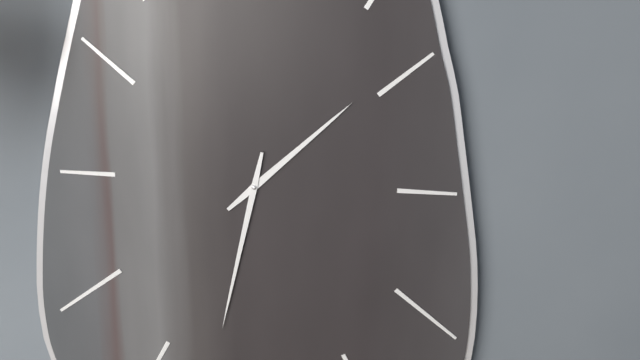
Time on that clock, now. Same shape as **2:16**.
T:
**1:32**
